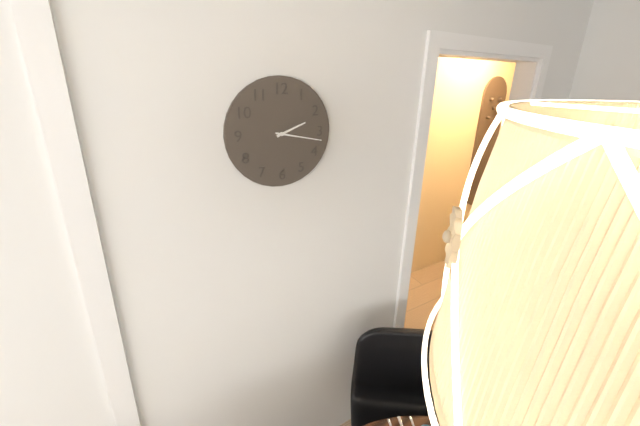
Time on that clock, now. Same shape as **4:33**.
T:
**2:17**
